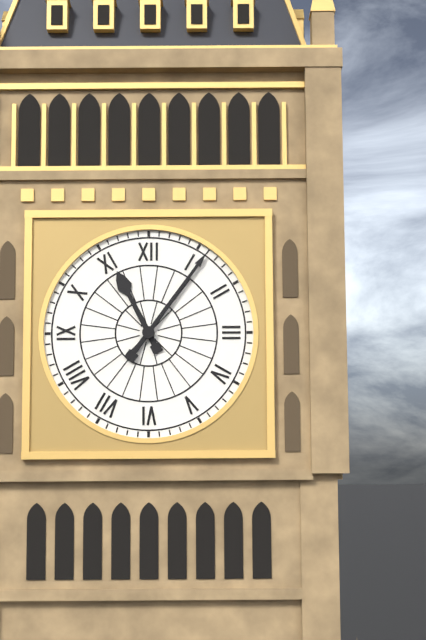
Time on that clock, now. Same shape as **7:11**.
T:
**11:06**
